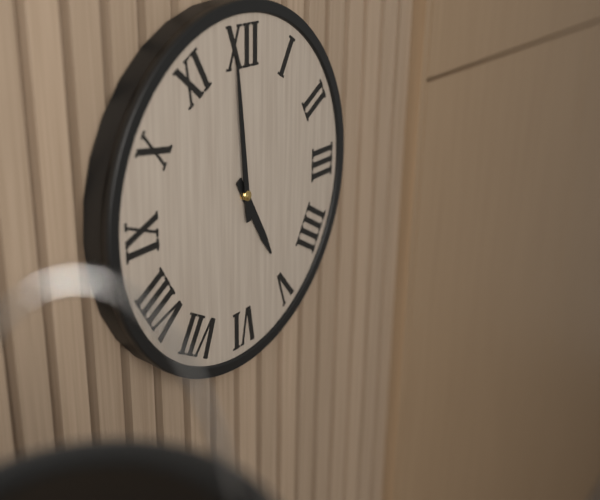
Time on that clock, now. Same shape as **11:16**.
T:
**4:59**
